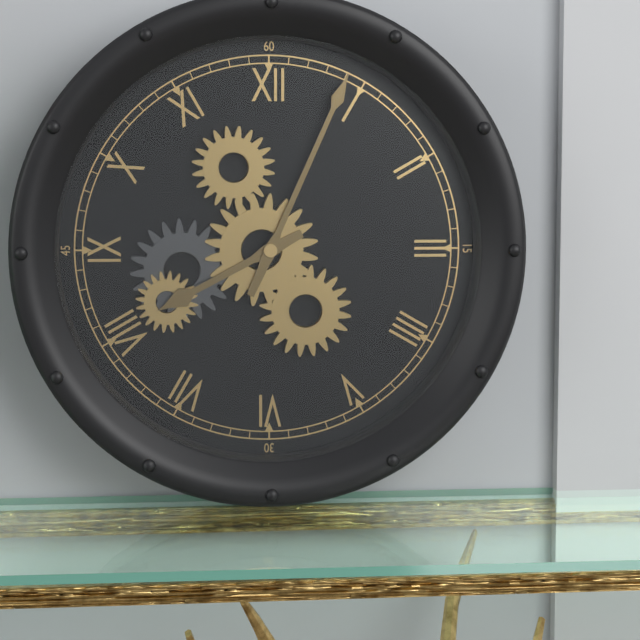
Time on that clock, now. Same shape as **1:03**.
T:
**8:04**
